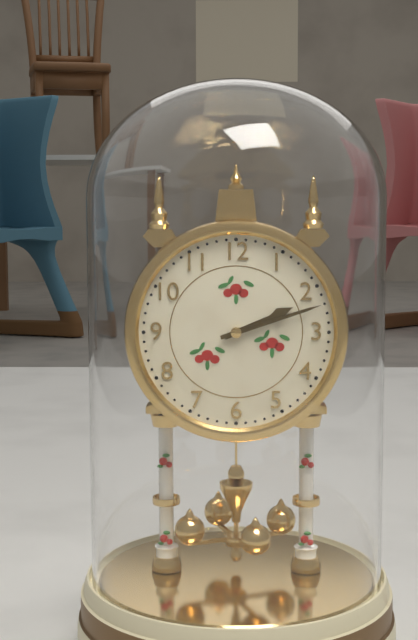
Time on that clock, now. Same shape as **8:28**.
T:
**2:12**
